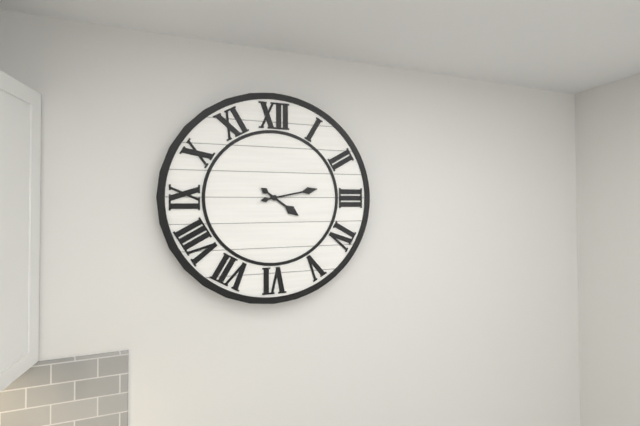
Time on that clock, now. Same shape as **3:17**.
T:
**4:13**
